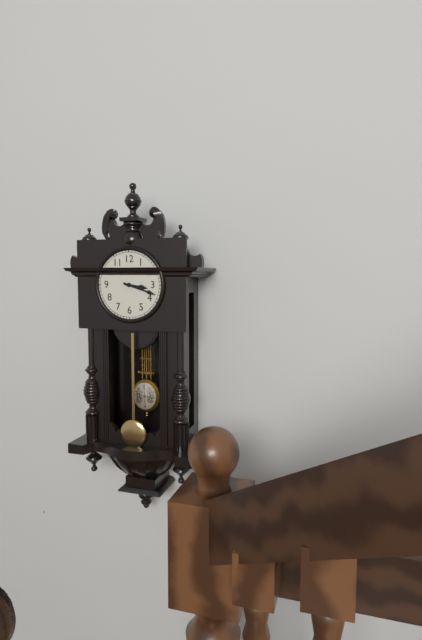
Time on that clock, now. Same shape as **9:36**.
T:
**3:18**
